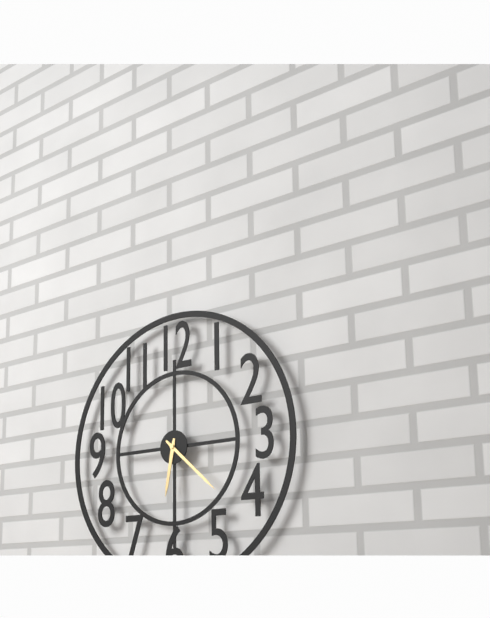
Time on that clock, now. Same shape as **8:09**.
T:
**6:22**
